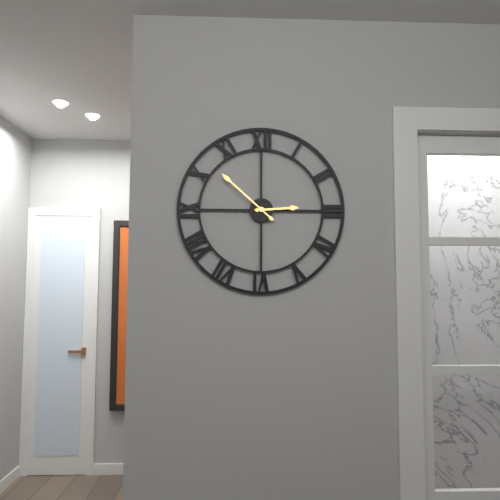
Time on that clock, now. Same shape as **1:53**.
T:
**2:52**
